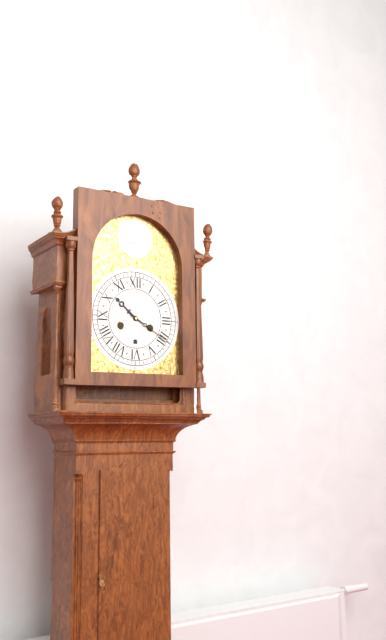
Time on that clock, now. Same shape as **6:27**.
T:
**10:20**
